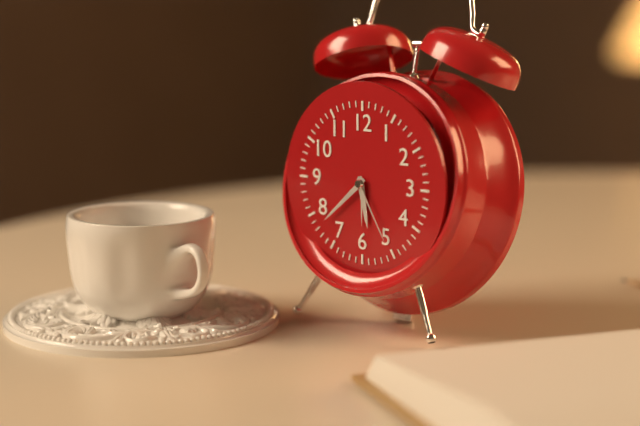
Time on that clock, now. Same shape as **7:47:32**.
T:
**5:38:25**
